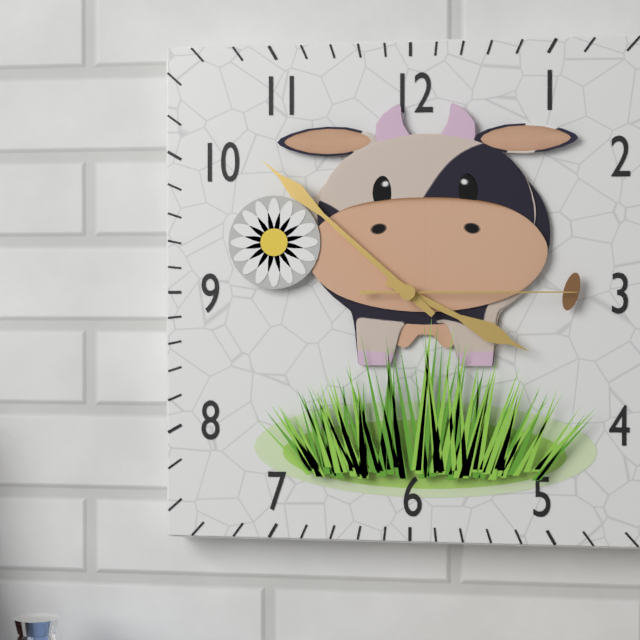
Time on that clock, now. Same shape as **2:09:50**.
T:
**3:52:15**
